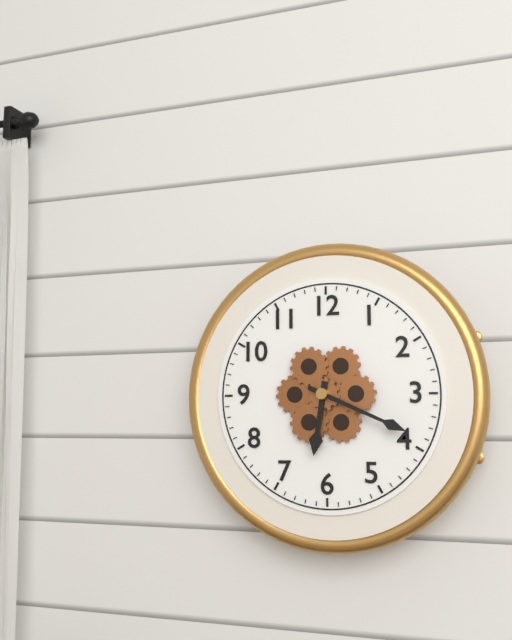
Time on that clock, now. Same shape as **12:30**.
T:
**6:19**
